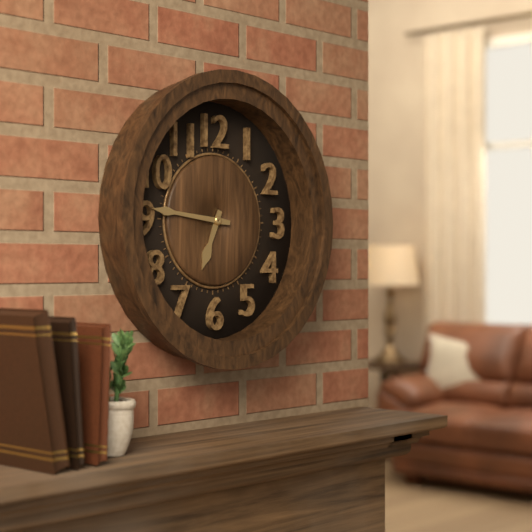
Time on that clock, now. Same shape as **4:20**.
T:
**6:46**
